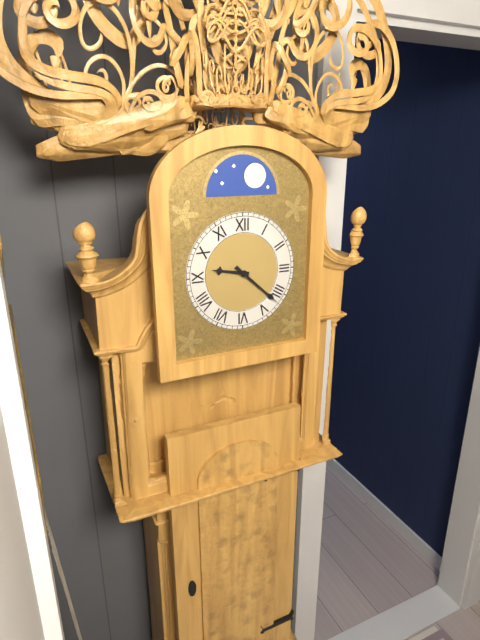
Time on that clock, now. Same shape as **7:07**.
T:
**9:22**
